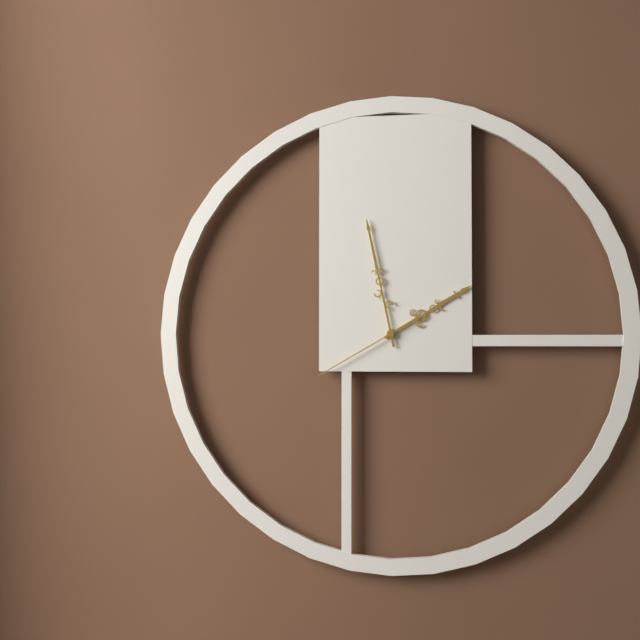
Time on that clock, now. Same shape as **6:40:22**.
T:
**1:58:40**
